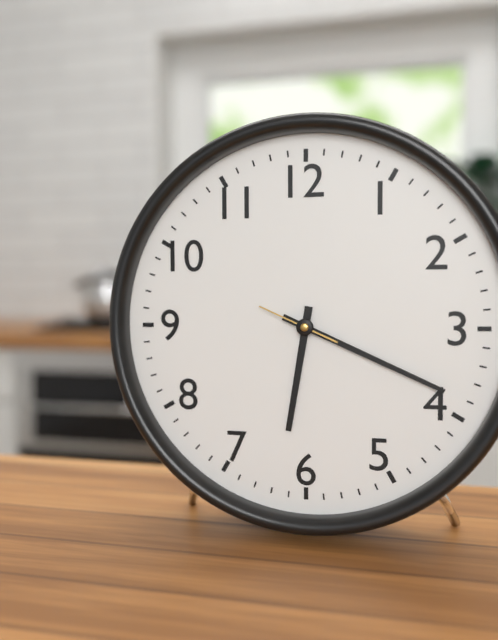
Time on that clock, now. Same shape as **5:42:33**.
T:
**6:19:49**
